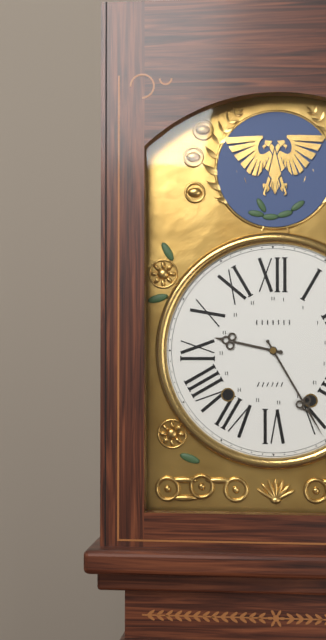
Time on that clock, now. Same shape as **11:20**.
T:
**9:25**
